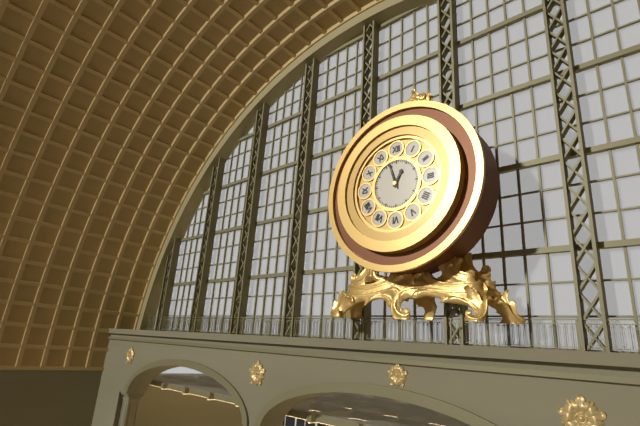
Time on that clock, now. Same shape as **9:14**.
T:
**12:57**
